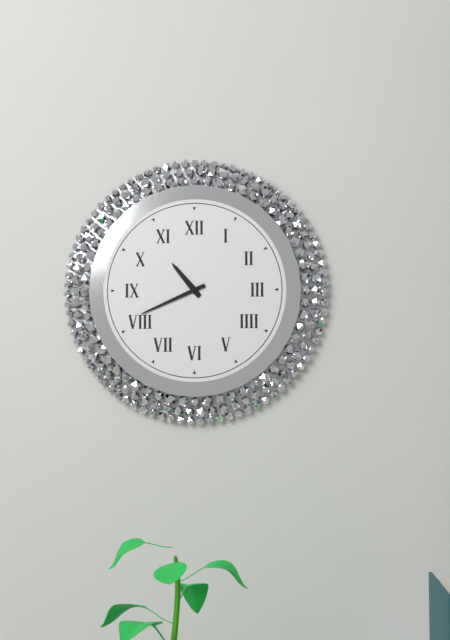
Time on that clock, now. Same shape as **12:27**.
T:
**10:41**
